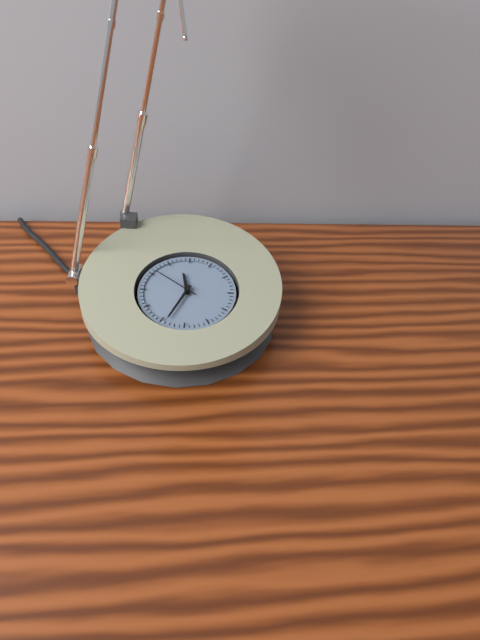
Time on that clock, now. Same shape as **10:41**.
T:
**11:34**
